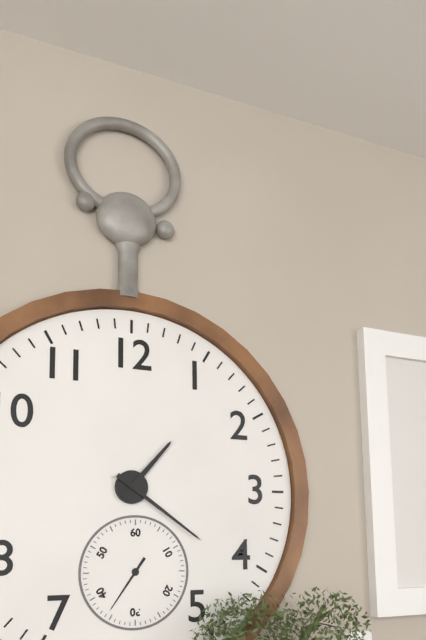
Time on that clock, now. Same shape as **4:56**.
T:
**1:21**
